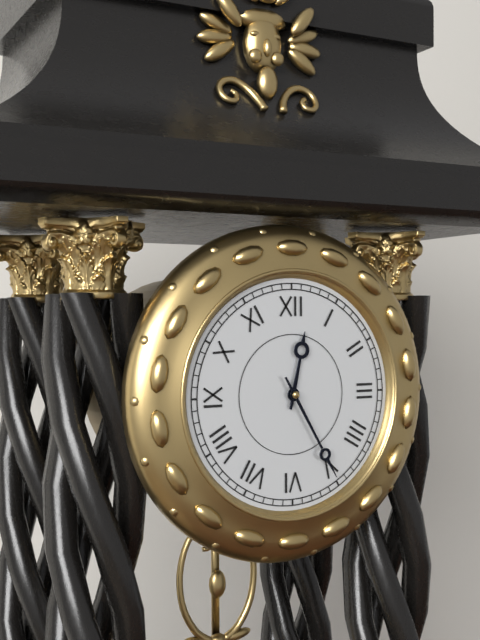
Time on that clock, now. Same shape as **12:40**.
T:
**12:25**
